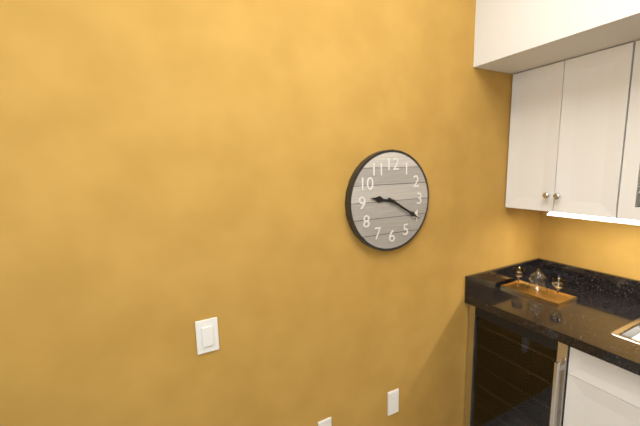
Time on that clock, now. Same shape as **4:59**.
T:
**9:20**
